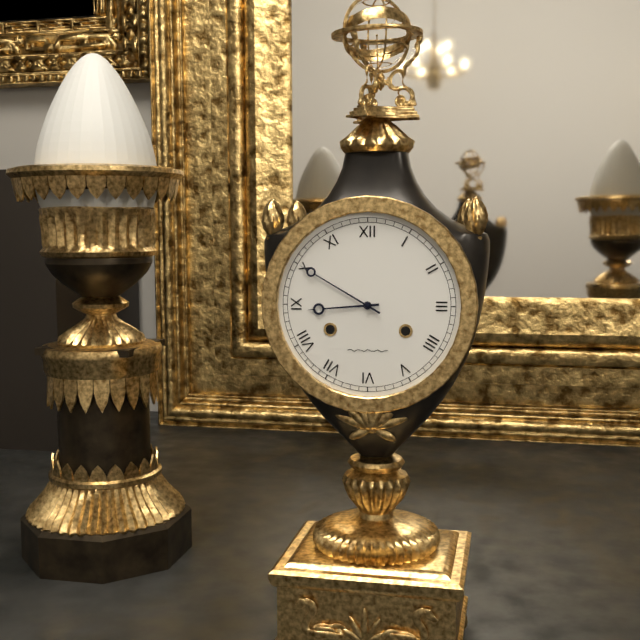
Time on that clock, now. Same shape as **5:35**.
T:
**8:50**
